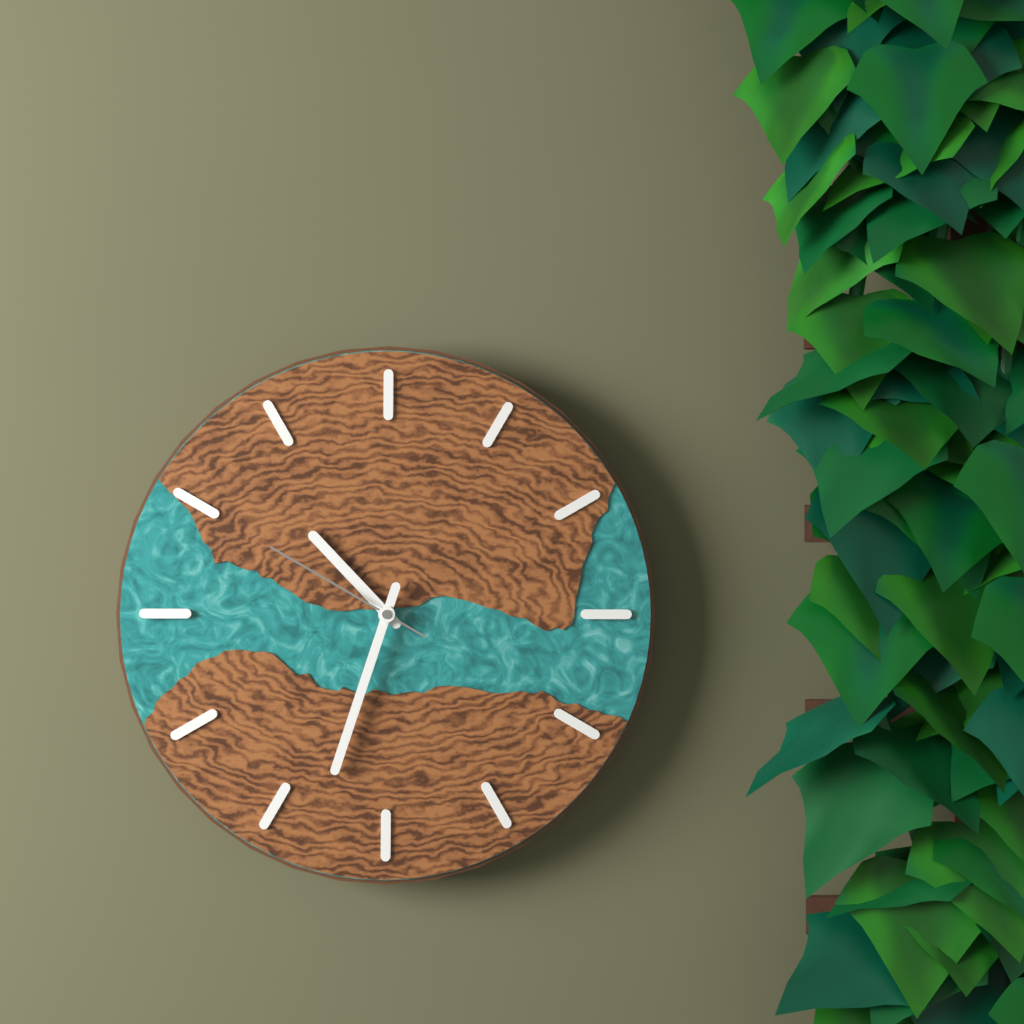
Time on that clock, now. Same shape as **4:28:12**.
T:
**10:33:50**
